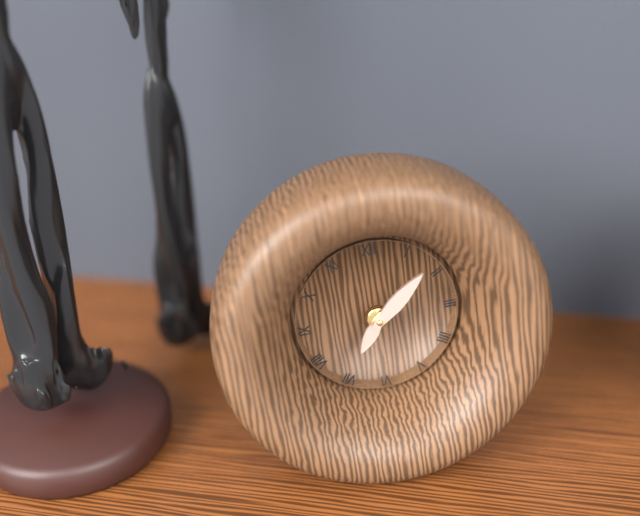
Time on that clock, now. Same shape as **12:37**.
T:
**7:08**
